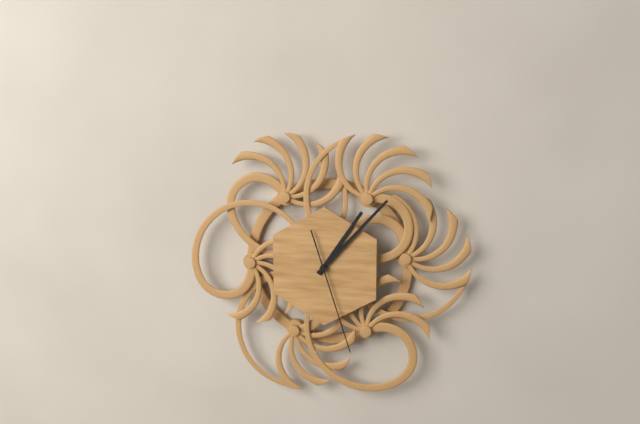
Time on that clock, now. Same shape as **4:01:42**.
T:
**1:07:27**
